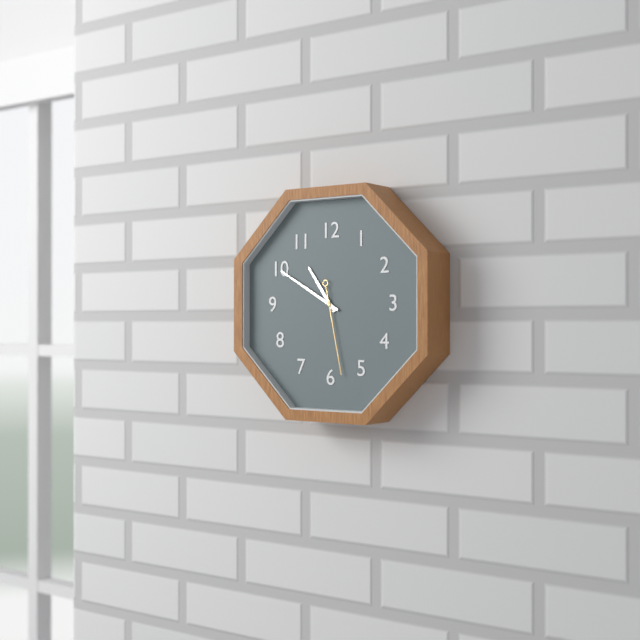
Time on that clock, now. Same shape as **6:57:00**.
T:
**10:50:28**
